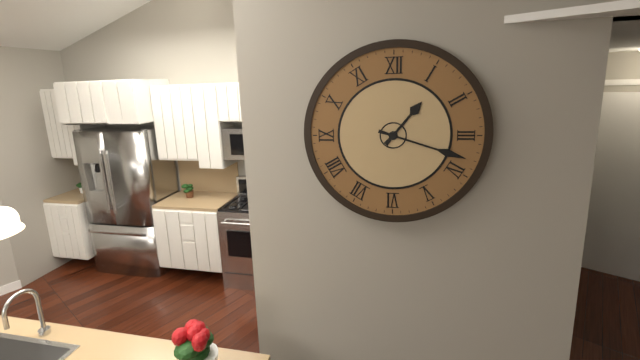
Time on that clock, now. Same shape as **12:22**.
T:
**1:18**
